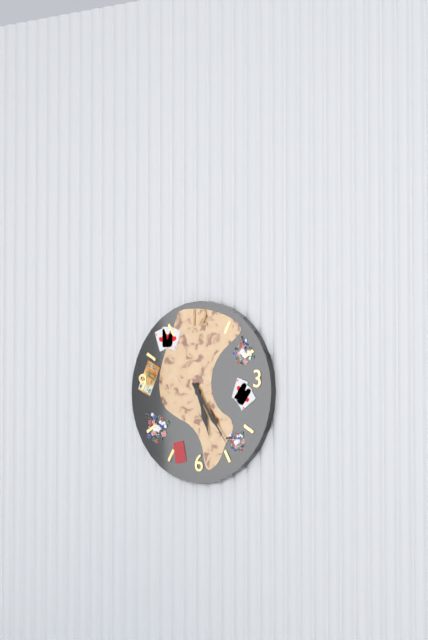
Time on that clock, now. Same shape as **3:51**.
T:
**5:24**
